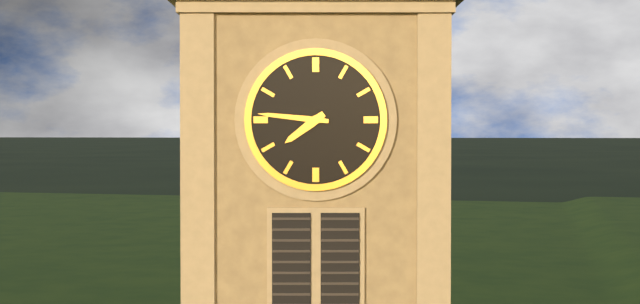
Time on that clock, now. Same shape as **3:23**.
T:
**7:46**
